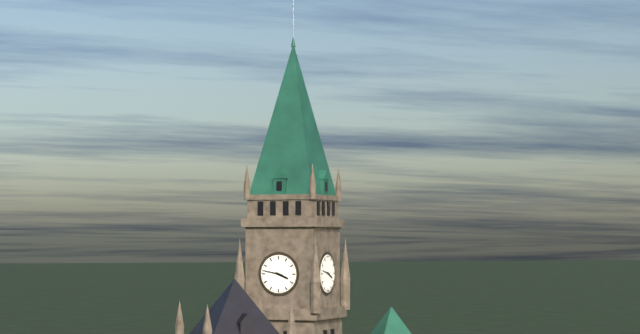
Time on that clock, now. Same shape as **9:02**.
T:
**3:47**
